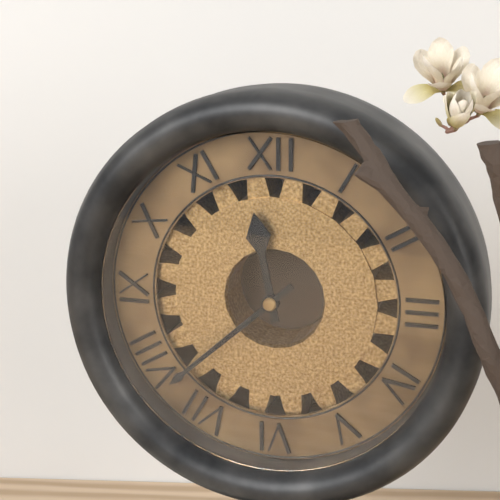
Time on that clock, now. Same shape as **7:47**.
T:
**11:38**
